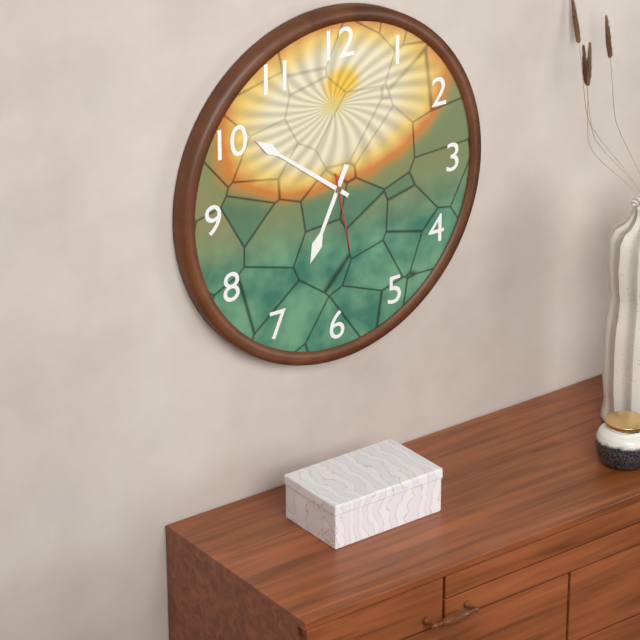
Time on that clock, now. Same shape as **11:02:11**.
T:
**6:51:28**
